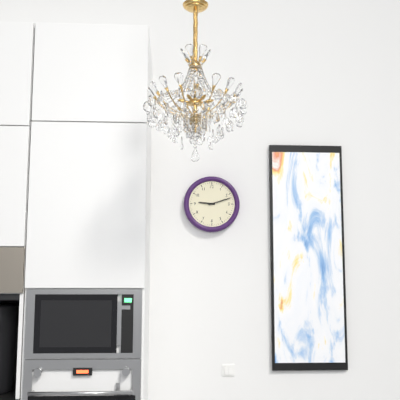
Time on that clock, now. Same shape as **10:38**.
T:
**9:12**
